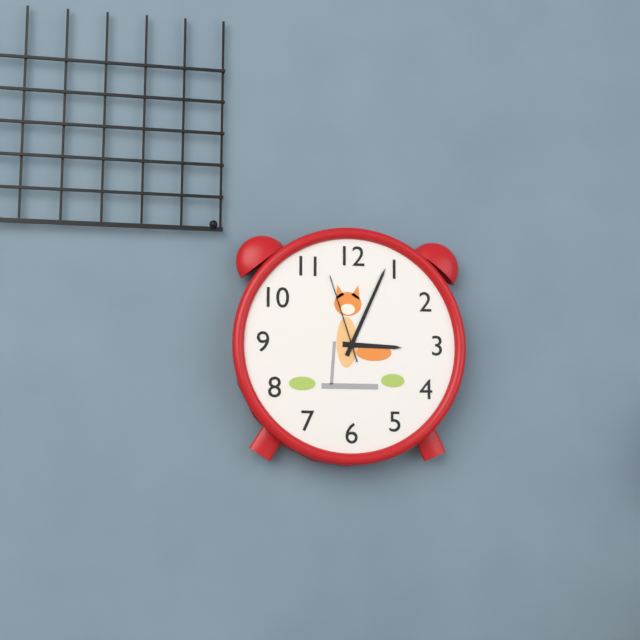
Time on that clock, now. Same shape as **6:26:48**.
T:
**3:04:57**
